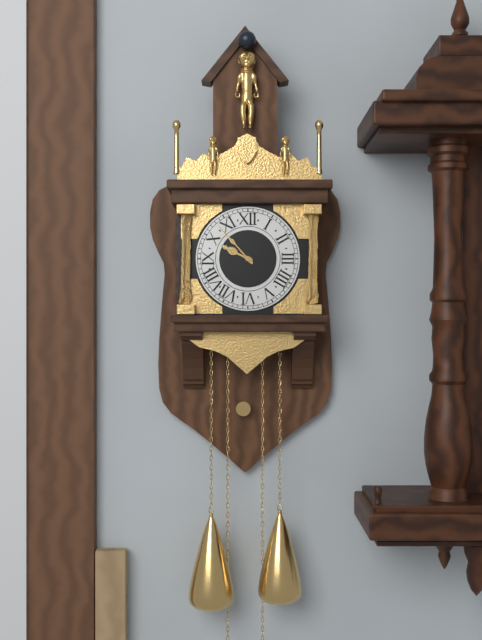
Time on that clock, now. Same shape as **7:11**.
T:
**9:53**
